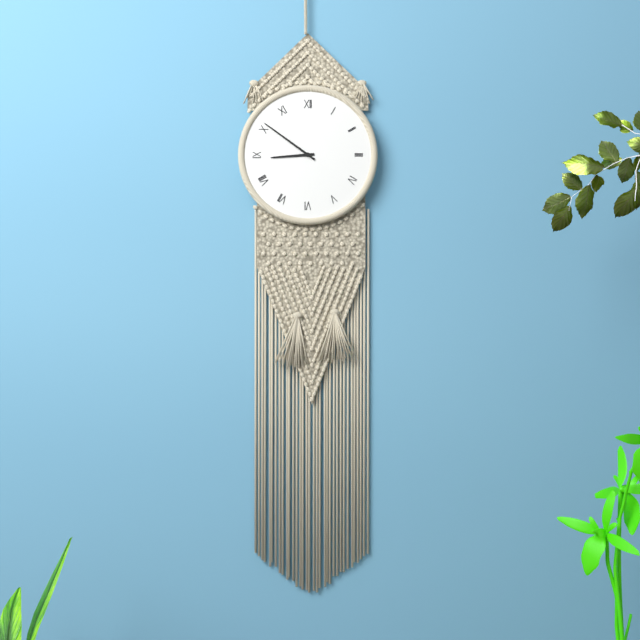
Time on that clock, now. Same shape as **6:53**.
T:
**8:51**
